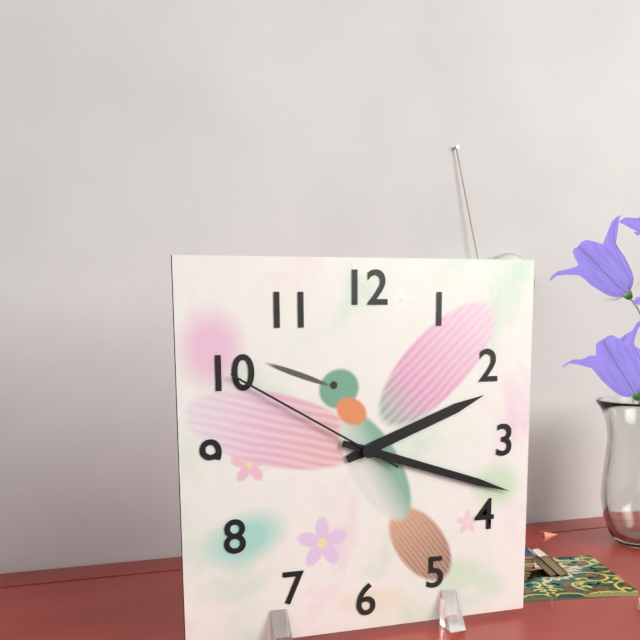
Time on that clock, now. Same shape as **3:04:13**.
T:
**2:18:50**
